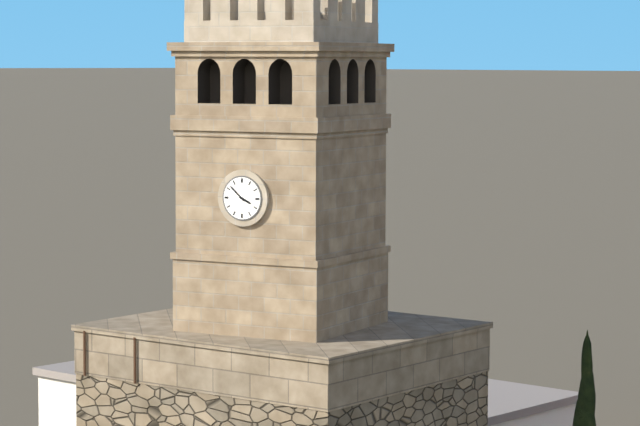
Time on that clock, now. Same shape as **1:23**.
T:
**3:52**
